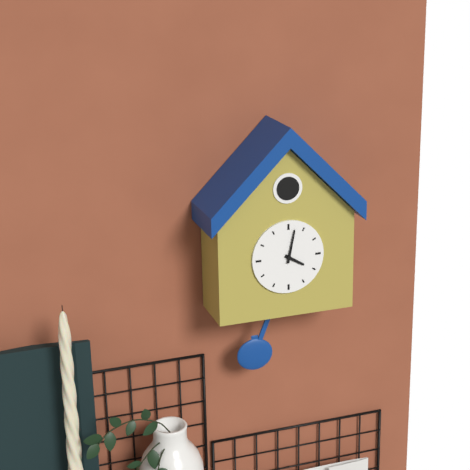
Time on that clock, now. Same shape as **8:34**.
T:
**4:02**
